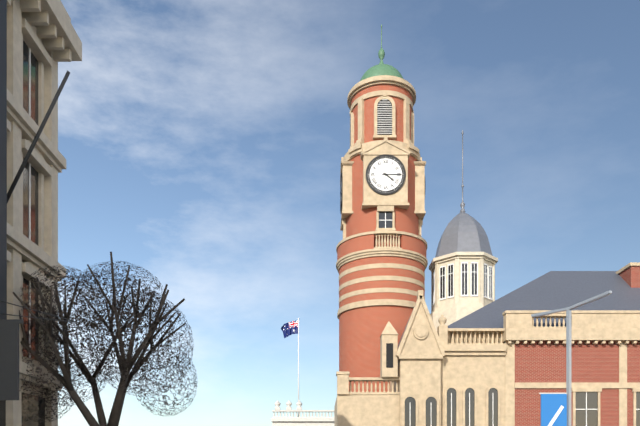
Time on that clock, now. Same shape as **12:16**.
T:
**4:15**
